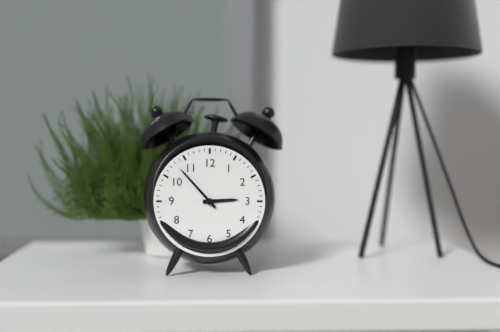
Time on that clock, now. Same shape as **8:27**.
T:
**2:53**
